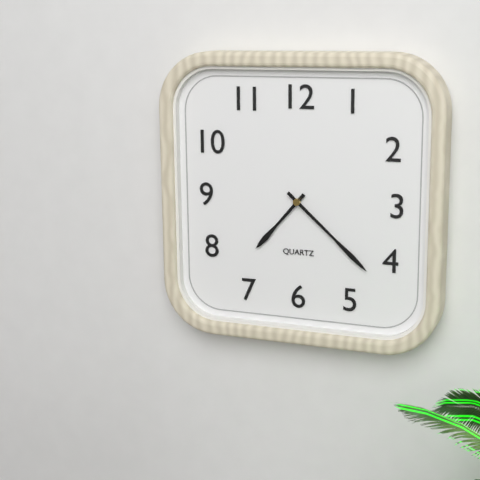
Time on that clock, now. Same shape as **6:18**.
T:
**7:22**
